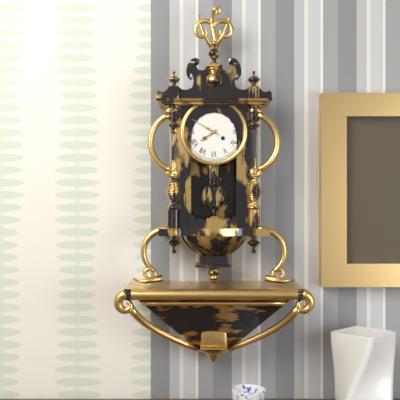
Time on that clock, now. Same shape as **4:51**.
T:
**7:50**
